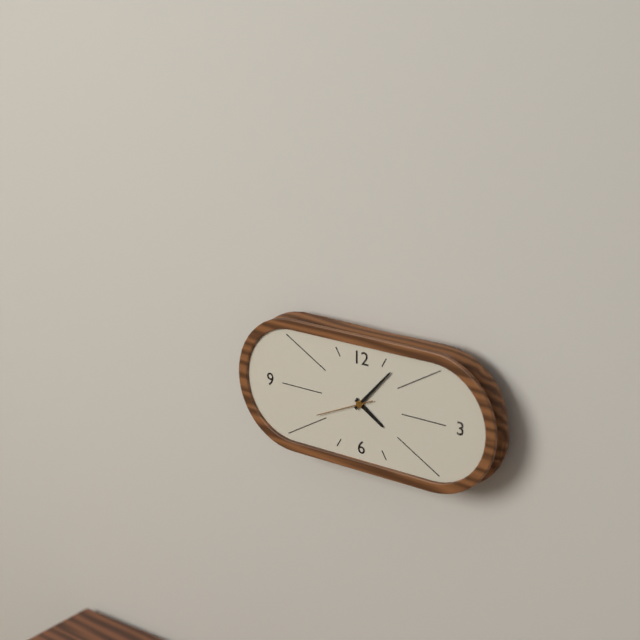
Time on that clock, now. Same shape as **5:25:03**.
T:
**4:07:41**
